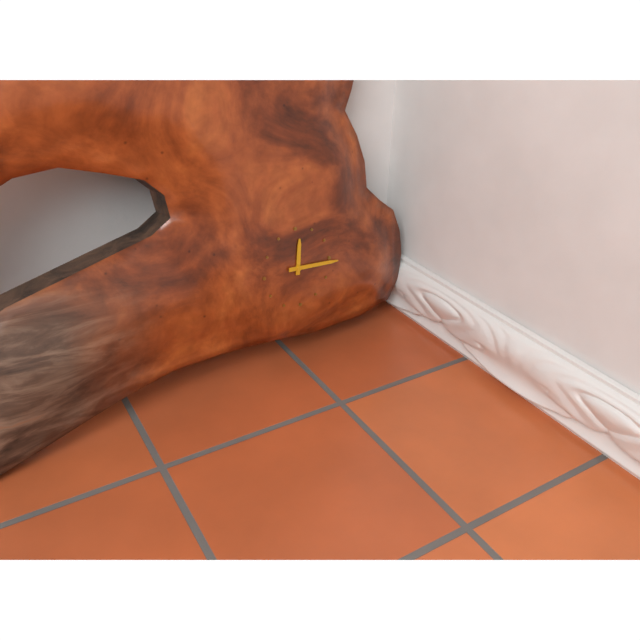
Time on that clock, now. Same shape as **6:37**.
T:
**12:16**
